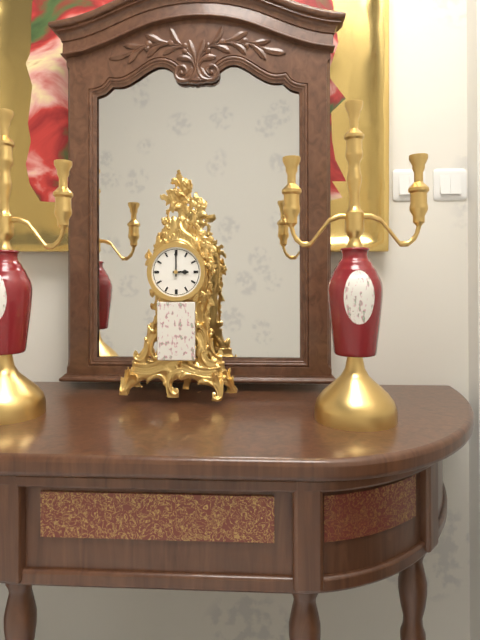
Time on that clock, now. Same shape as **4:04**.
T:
**3:00**
